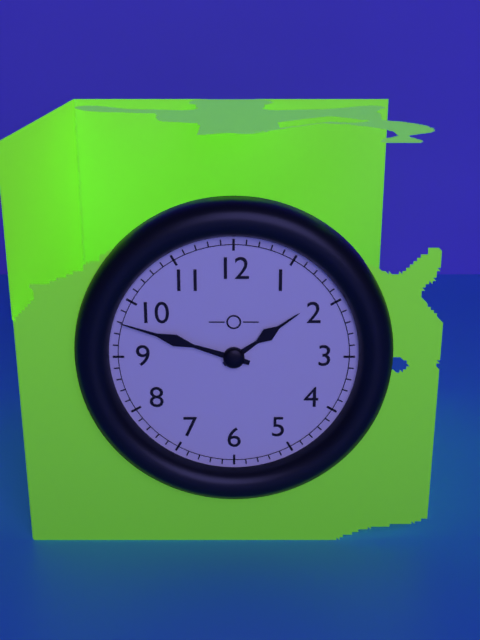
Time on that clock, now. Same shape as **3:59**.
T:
**1:48**
